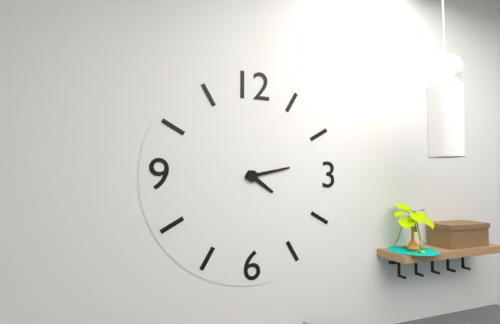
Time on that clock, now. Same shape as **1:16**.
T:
**4:13**
